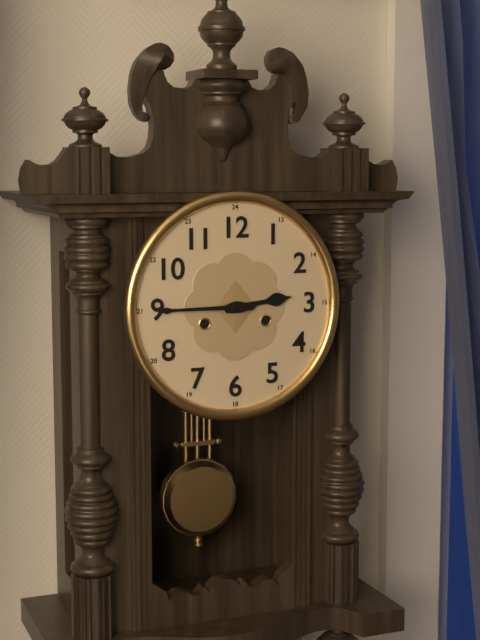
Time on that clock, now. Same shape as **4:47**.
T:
**2:45**
